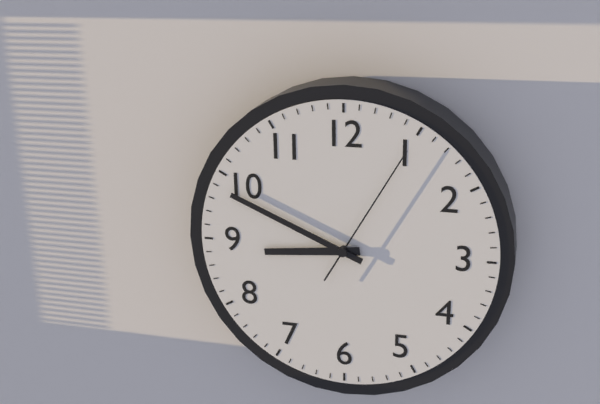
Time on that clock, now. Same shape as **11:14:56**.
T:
**8:49:05**
